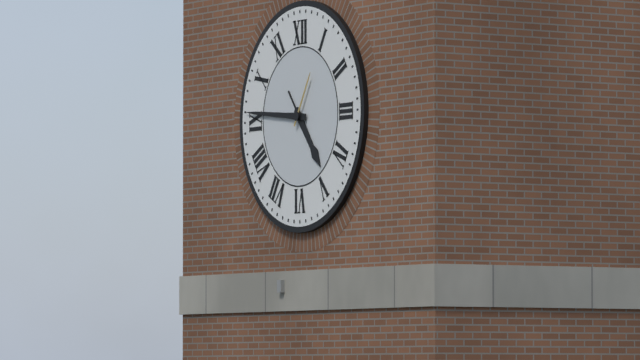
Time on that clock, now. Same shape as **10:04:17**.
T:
**4:46:05**
